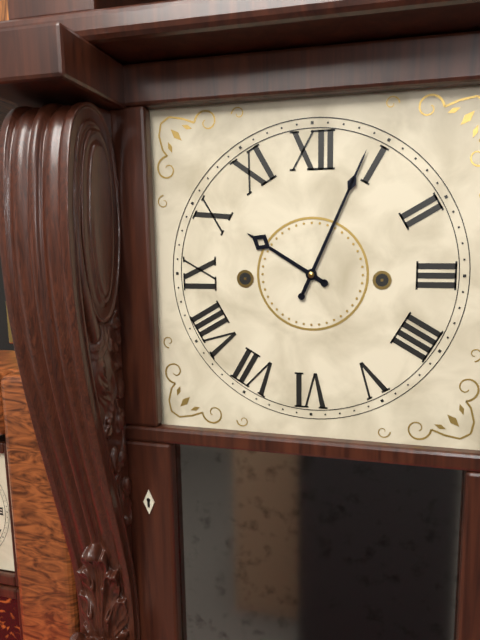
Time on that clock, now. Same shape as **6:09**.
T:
**10:04**
